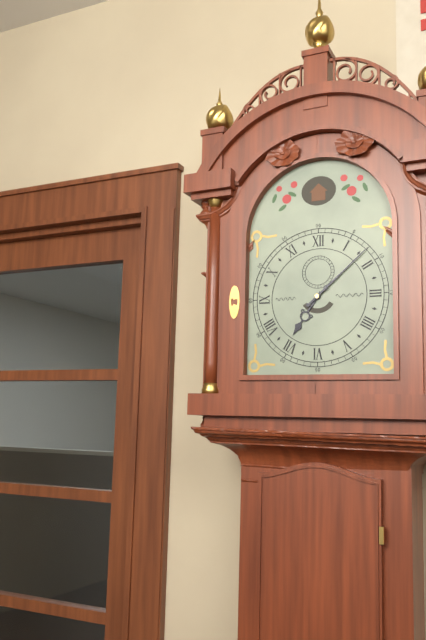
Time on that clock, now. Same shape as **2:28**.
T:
**7:08**
